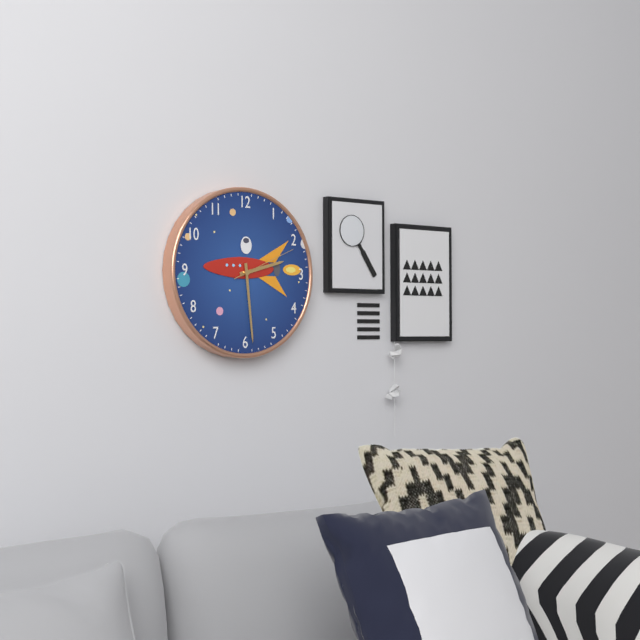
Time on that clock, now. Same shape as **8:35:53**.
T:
**2:29:11**
